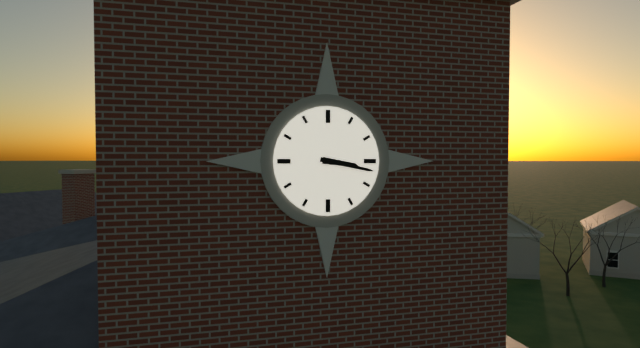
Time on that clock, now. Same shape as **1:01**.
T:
**3:17**
